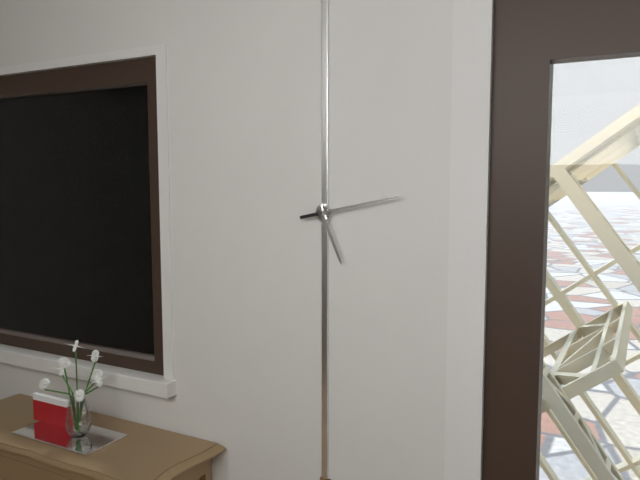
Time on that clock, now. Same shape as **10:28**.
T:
**5:13**
